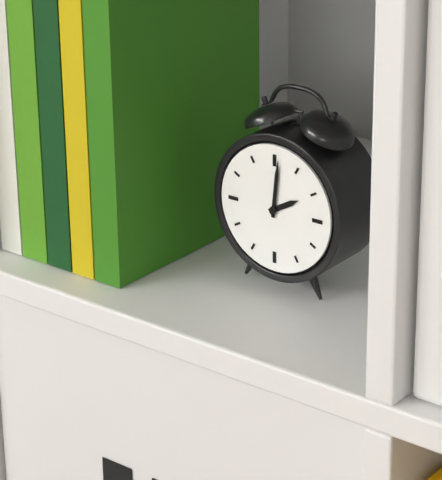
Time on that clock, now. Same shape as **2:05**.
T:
**2:01**
